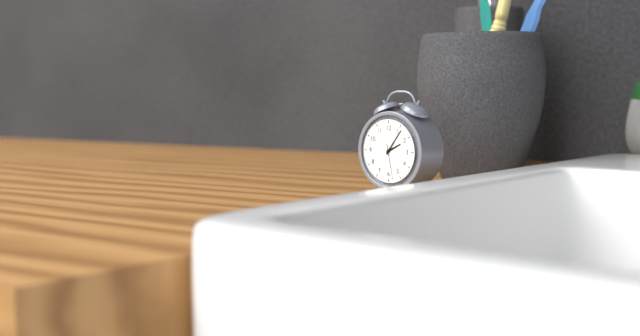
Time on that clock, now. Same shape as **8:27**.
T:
**2:06**
